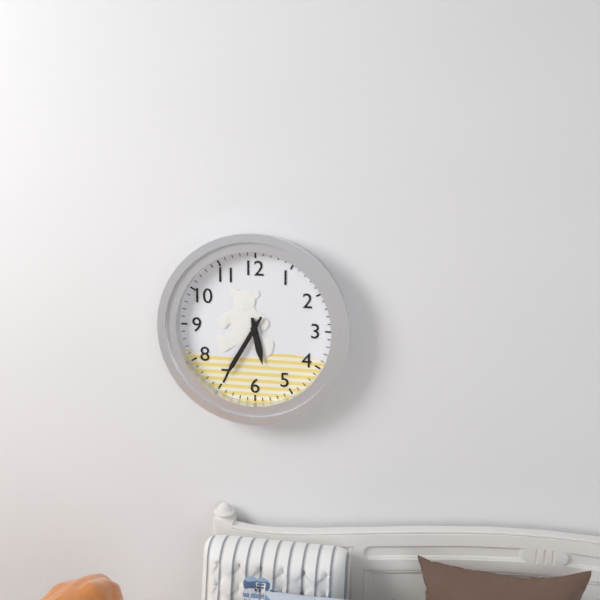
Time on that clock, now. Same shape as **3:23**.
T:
**5:35**
